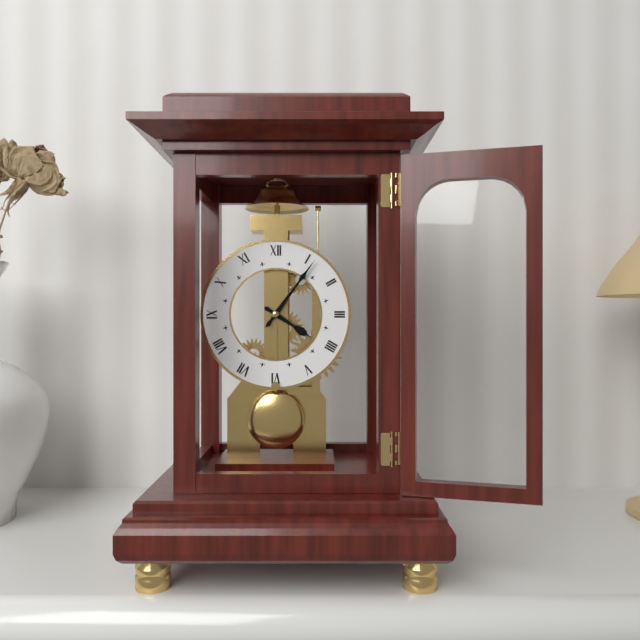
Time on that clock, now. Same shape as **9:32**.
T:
**4:06**
